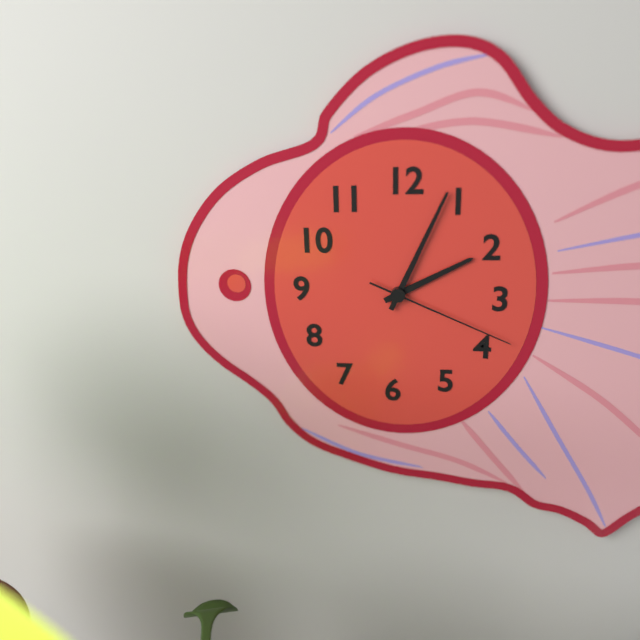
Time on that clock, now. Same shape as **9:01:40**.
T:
**2:04:19**
